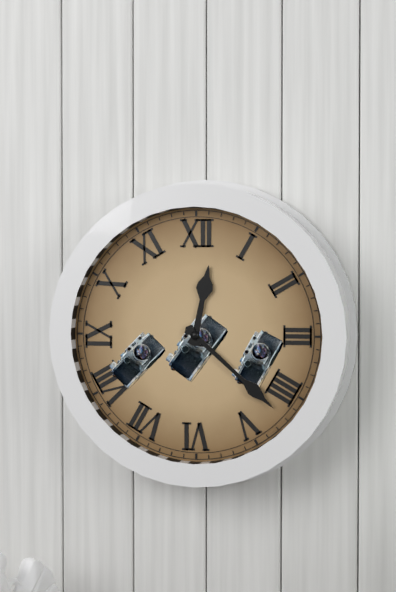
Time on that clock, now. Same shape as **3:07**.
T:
**12:22**
